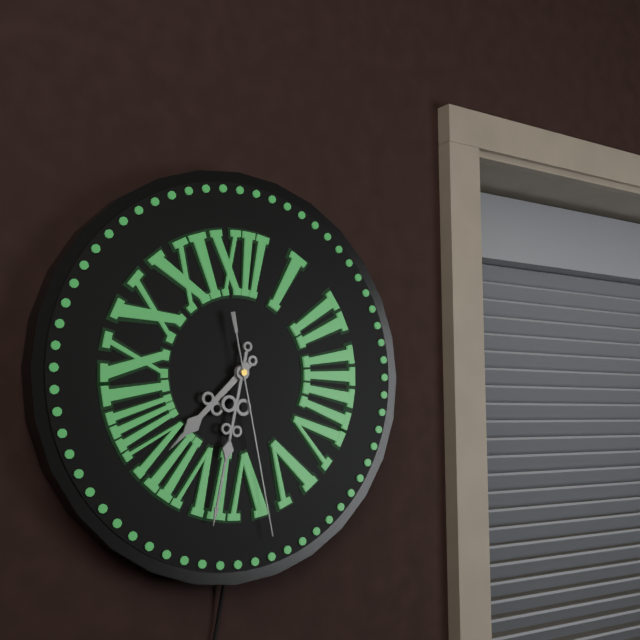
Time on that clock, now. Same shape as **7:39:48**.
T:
**7:32:28**
